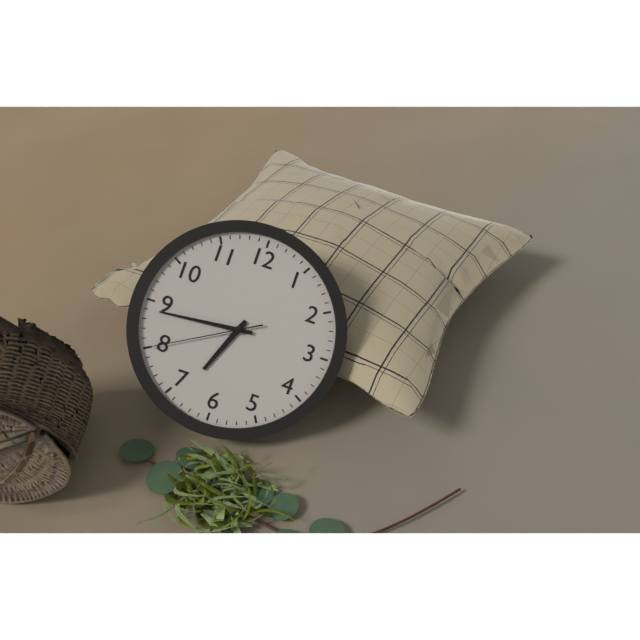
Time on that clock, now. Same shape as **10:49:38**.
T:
**6:44:40**
